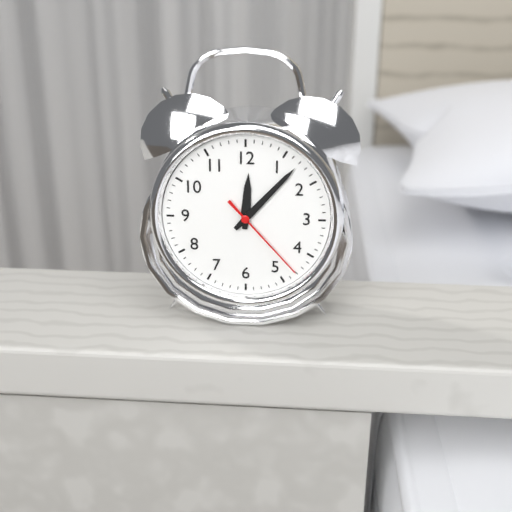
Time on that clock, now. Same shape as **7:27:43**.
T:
**12:07:23**
